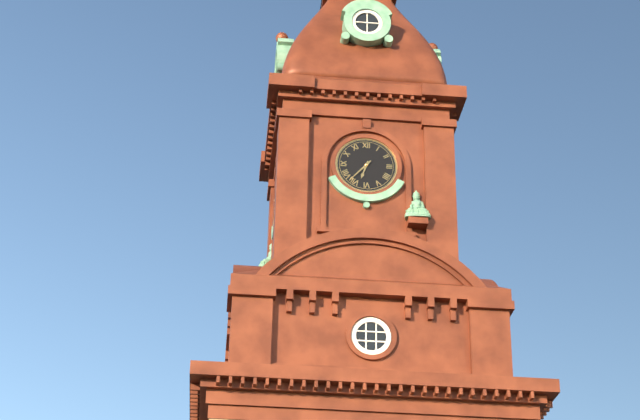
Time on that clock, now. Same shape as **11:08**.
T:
**6:37**
